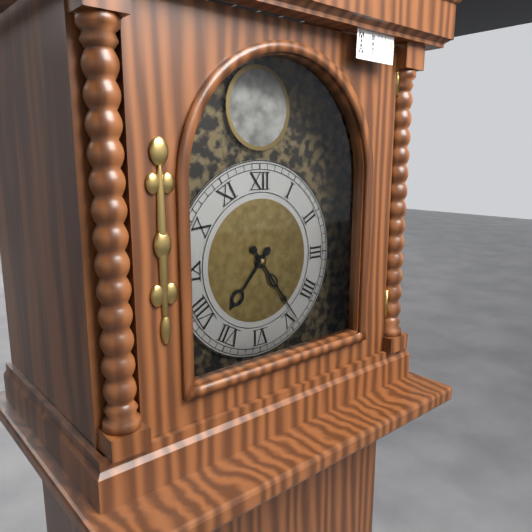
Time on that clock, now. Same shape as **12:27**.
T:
**7:24**
